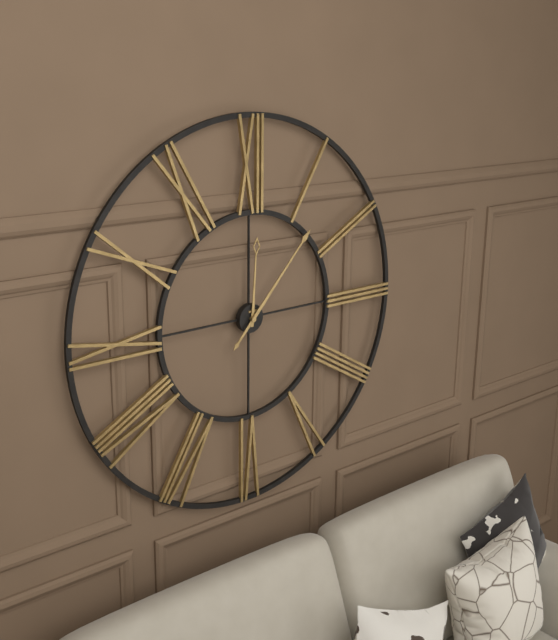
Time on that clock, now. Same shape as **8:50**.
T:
**12:07**
